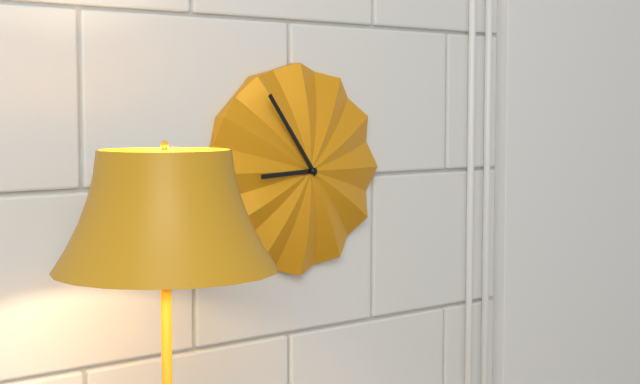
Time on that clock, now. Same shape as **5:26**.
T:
**8:54**
